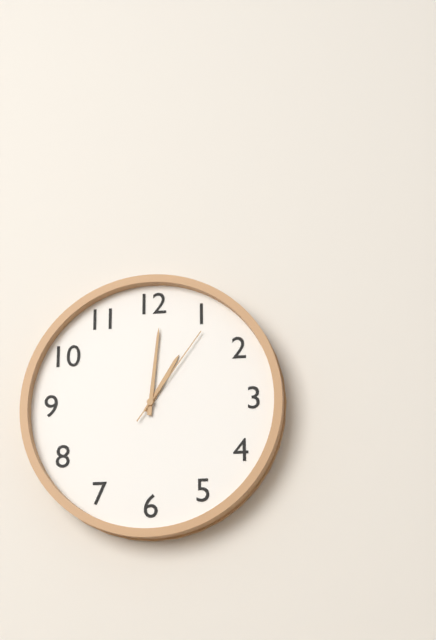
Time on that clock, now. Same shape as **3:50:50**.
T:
**1:01:06**
